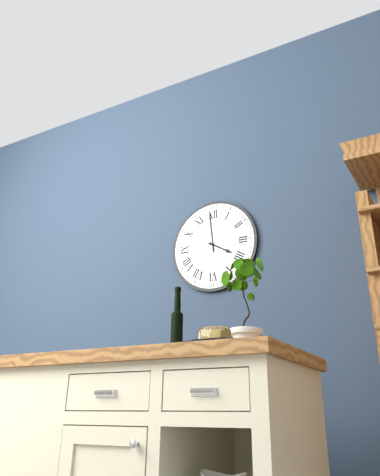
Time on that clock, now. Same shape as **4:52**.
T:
**3:59**
